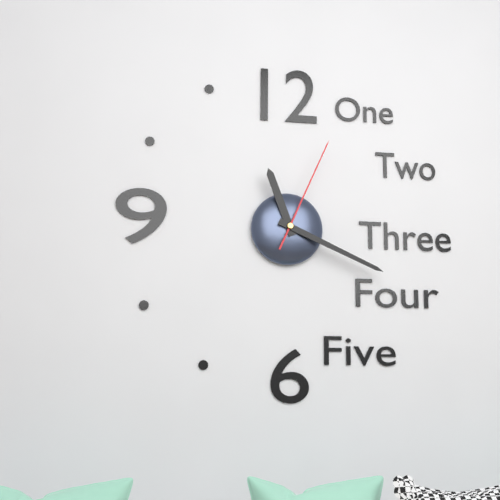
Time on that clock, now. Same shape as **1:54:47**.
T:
**11:19:04**
